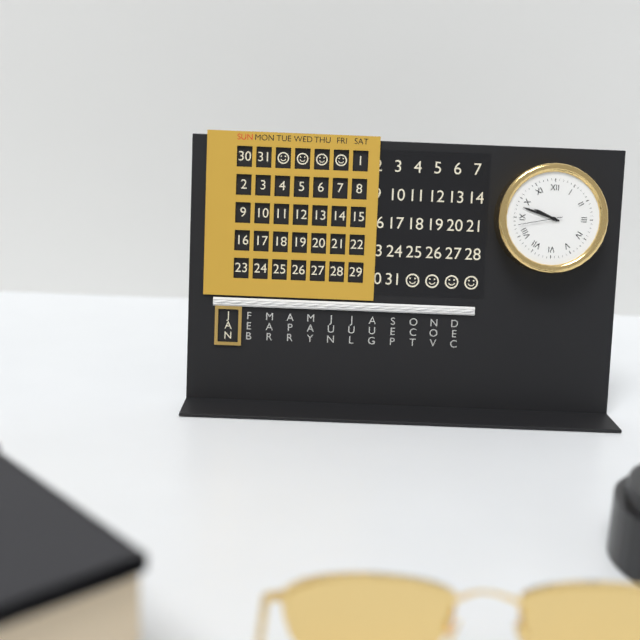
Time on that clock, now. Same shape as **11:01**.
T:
**9:48**
